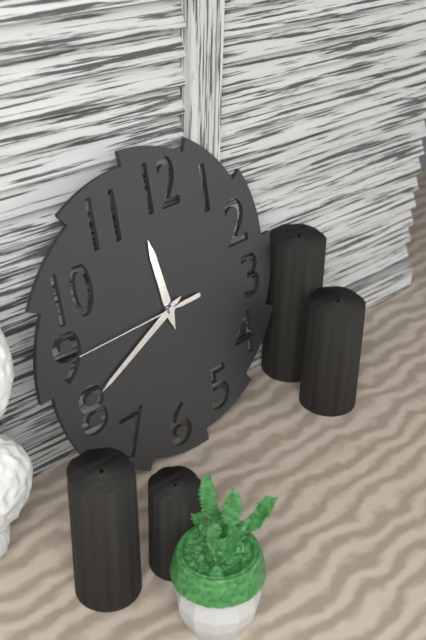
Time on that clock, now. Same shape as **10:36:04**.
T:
**11:41:45**
